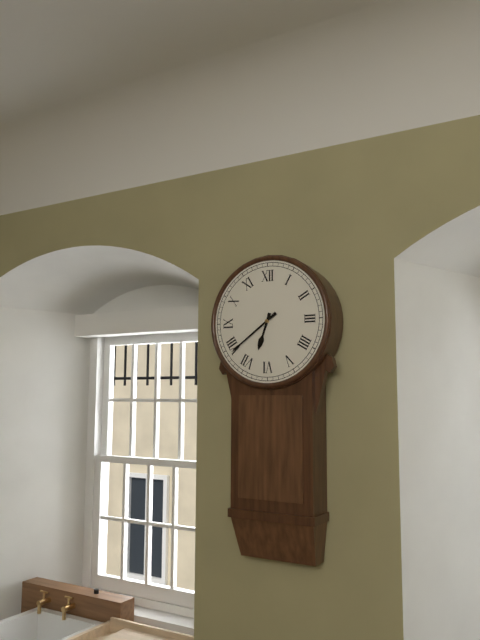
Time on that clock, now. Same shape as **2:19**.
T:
**6:39**
